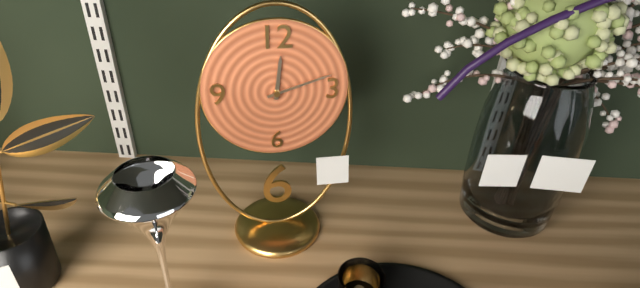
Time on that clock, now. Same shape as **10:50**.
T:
**12:12**
